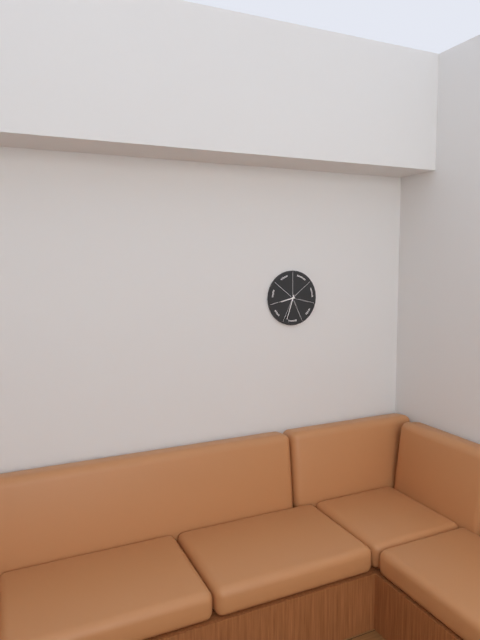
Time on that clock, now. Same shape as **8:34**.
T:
**8:33**
